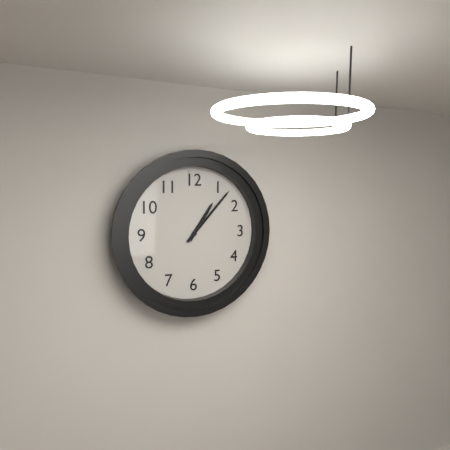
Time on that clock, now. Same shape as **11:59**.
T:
**1:07**
